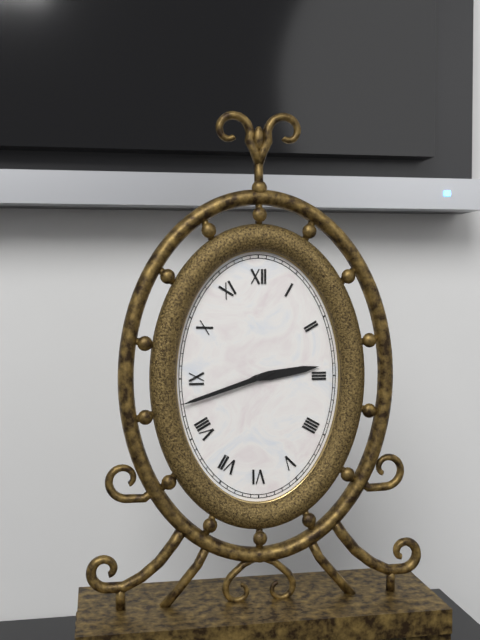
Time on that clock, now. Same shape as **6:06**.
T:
**2:42**
